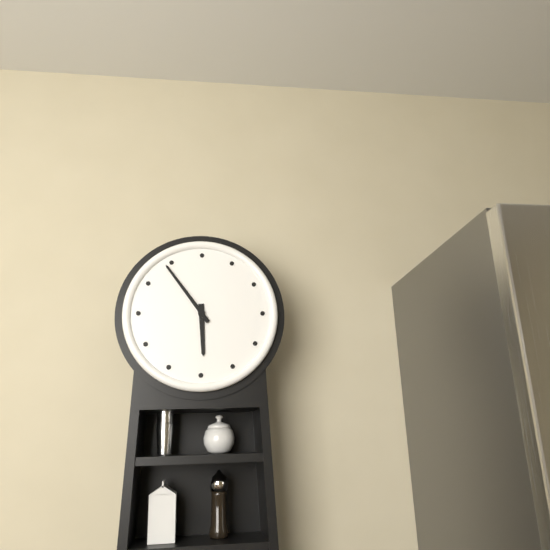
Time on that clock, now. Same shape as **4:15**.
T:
**5:54**
